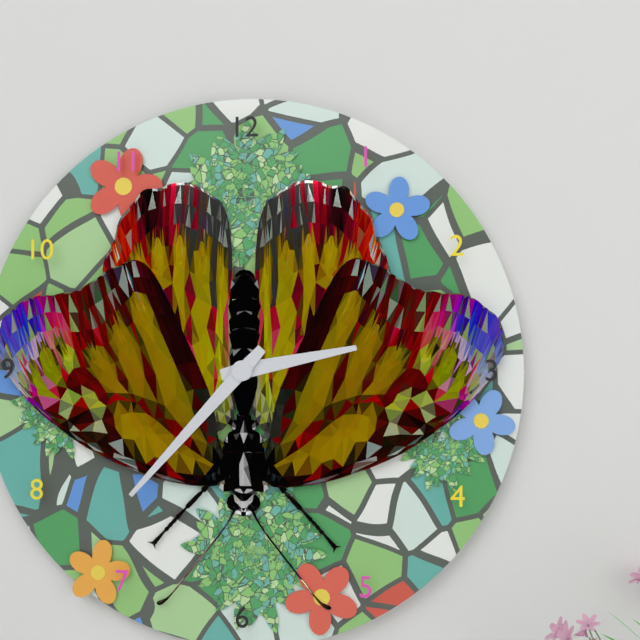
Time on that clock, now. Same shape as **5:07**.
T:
**2:37**
